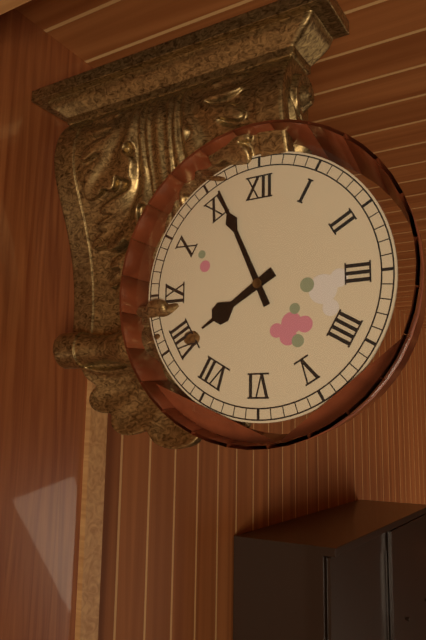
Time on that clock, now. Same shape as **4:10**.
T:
**7:56**
